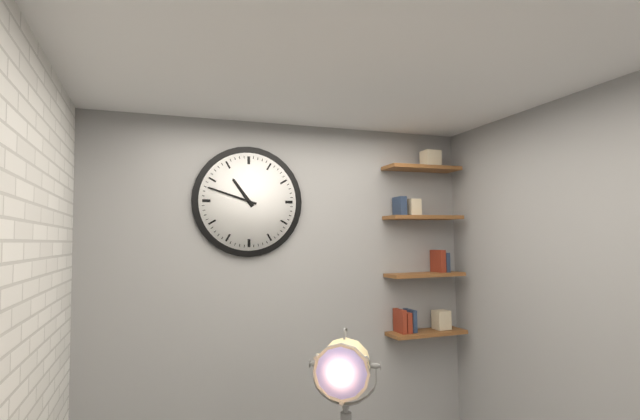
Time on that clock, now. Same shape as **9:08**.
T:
**10:48**
